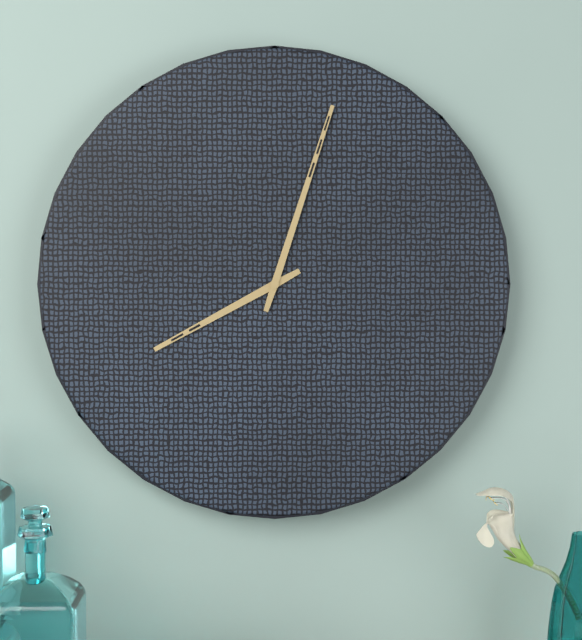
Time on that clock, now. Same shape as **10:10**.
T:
**8:03**
